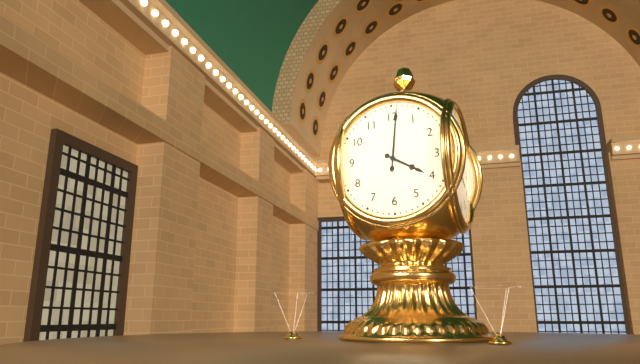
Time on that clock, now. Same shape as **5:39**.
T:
**4:01**
